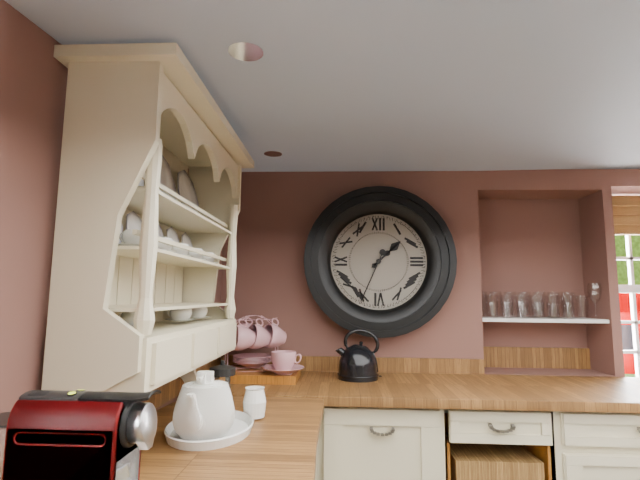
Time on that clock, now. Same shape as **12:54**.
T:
**1:34**
